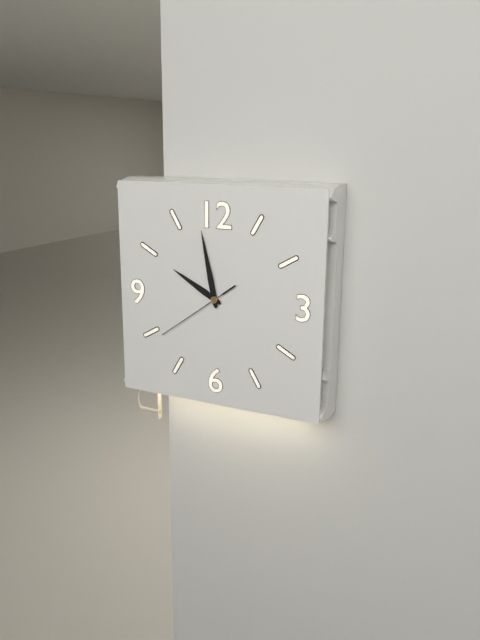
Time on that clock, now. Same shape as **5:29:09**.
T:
**9:58:39**
